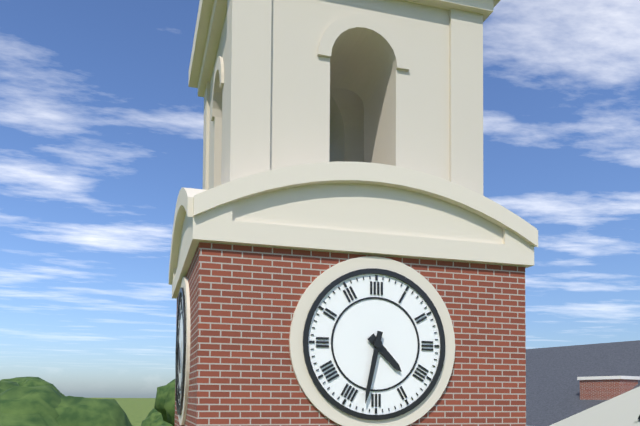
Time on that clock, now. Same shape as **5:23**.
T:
**4:32**
